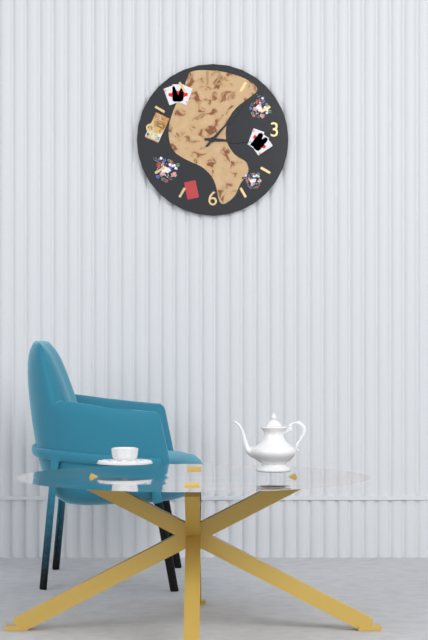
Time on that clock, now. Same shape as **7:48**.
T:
**3:07**
